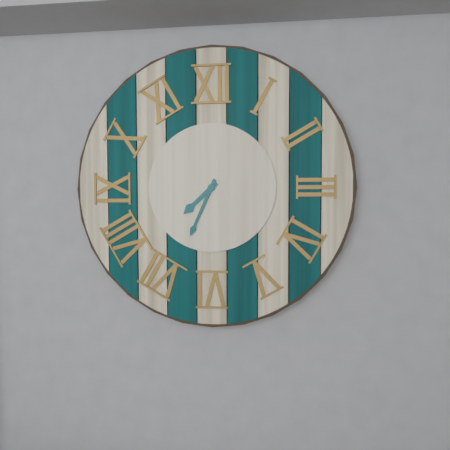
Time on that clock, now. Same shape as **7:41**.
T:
**7:34**
